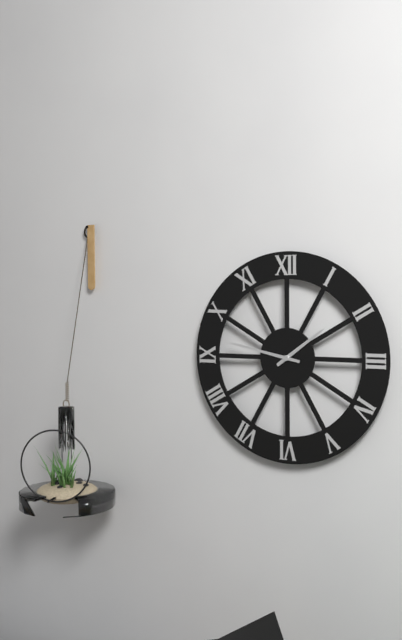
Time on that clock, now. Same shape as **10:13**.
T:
**1:47**
